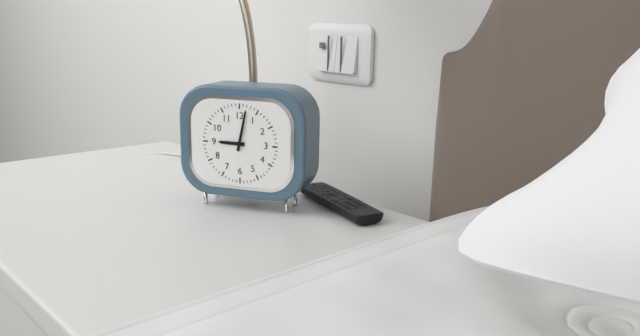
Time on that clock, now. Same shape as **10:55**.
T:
**9:02**
